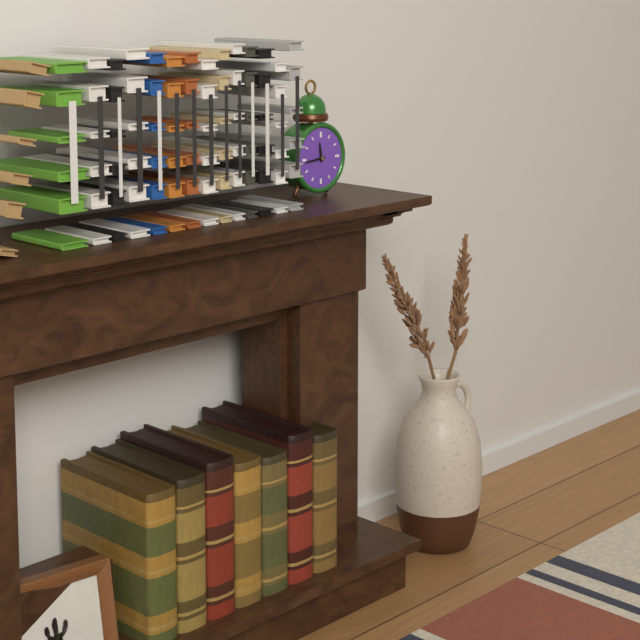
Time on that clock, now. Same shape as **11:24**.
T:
**11:44**
